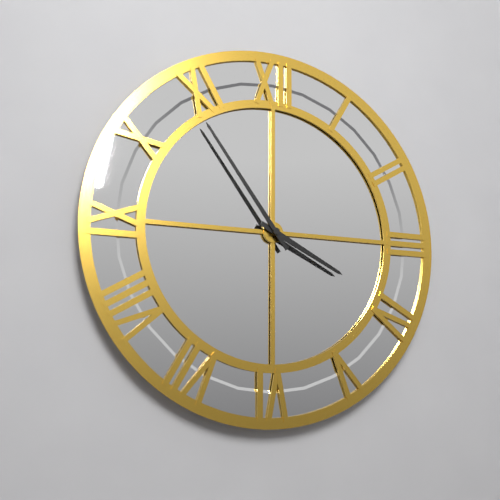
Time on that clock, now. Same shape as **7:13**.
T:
**3:54**
